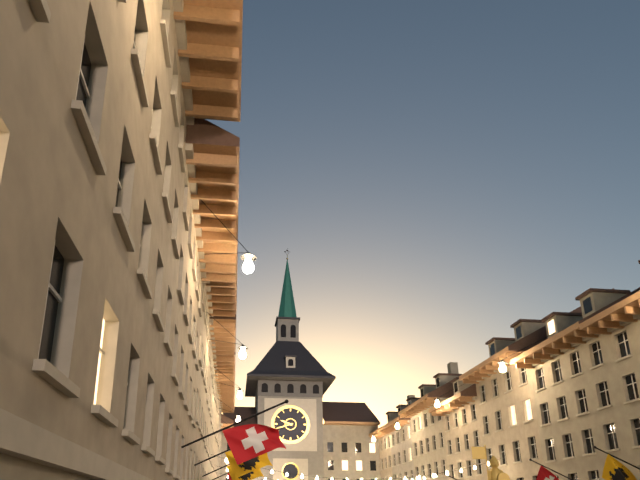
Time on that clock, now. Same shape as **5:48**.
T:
**9:42**
